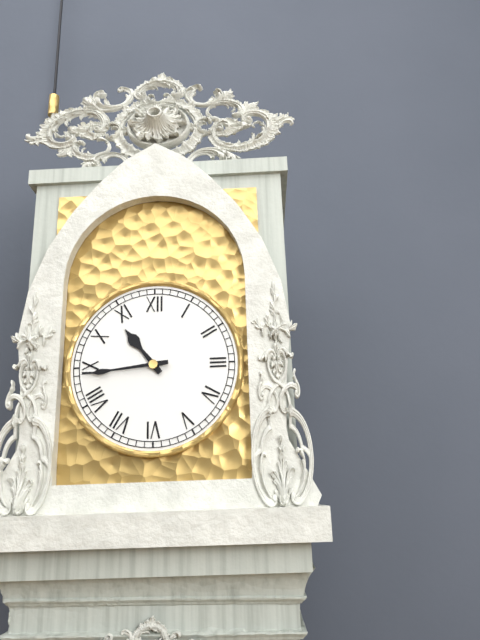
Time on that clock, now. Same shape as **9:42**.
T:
**10:44**
